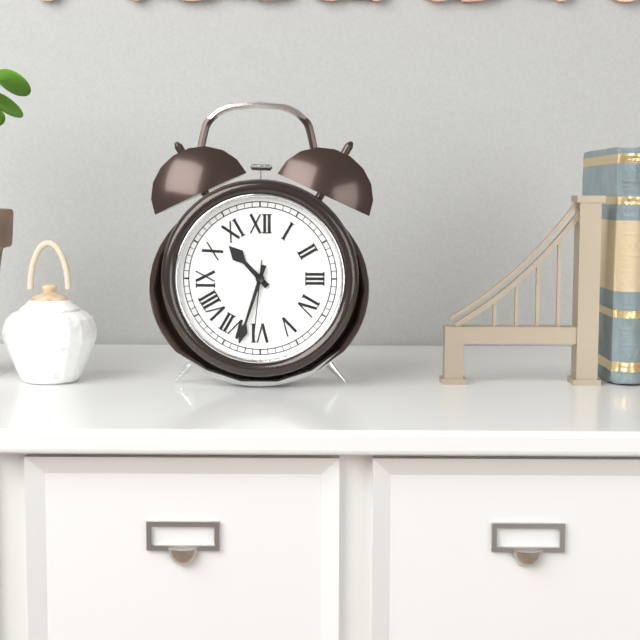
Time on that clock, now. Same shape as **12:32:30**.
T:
**10:33:31**
